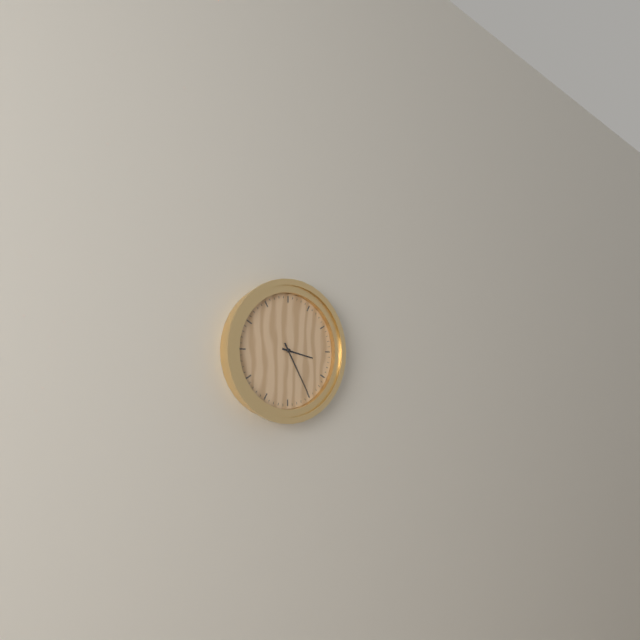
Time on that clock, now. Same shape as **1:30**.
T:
**3:25**
